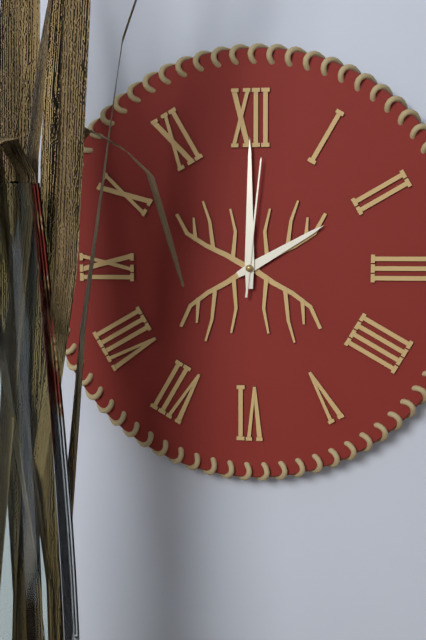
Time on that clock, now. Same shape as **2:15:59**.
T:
**2:00:01**
